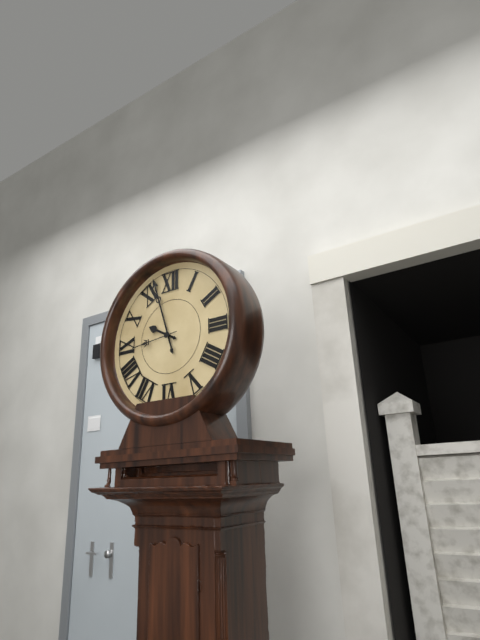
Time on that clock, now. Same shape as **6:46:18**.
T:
**9:57:44**
